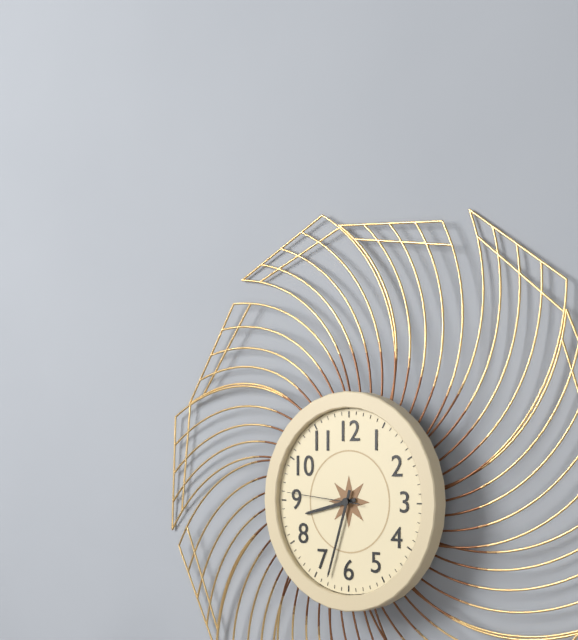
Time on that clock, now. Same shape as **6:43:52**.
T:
**8:33:46**
